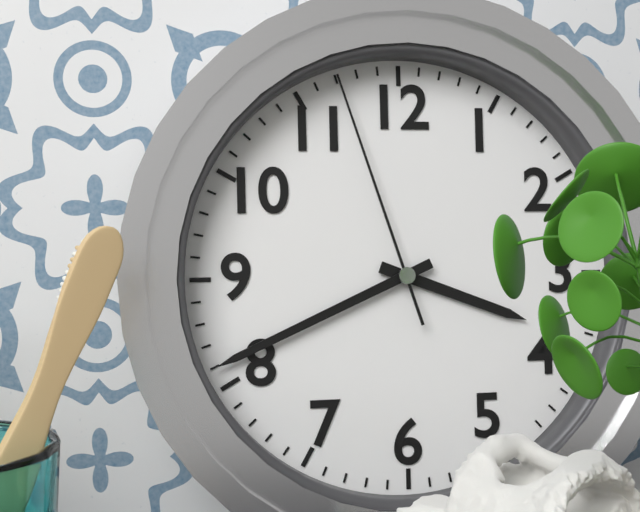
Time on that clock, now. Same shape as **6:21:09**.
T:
**3:41:57**
